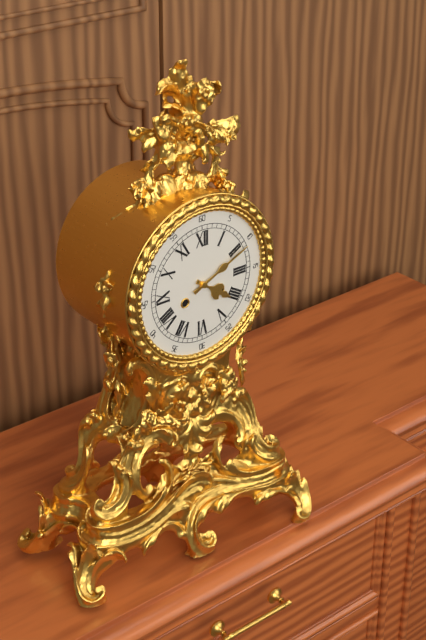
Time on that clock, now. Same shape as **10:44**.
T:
**4:11**
